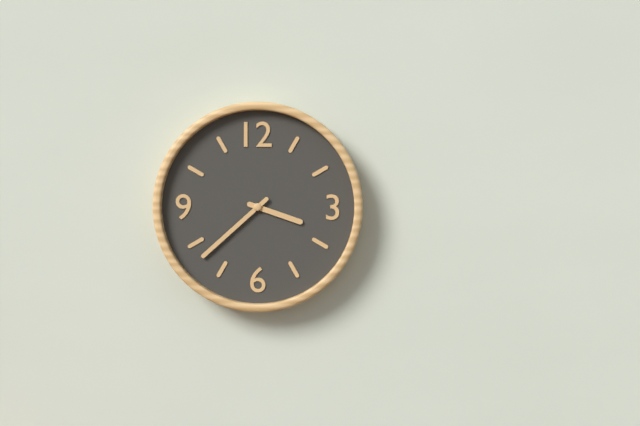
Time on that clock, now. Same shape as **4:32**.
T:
**3:38**
